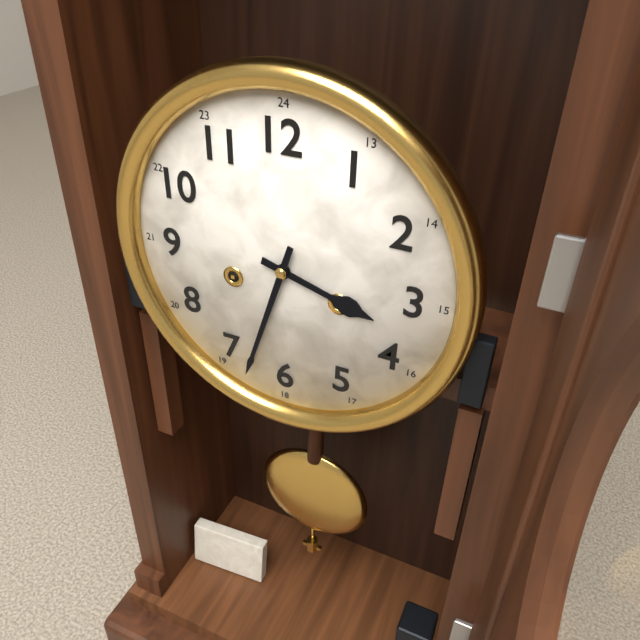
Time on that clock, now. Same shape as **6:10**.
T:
**3:33**
